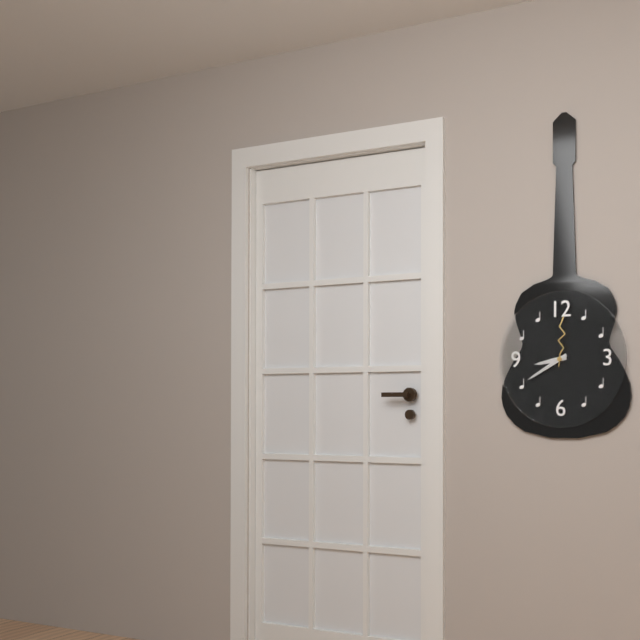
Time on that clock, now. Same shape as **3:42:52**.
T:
**8:40:01**
